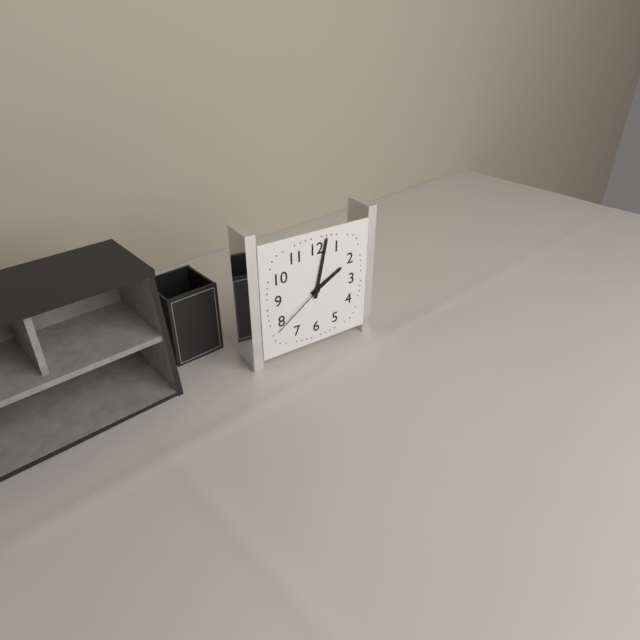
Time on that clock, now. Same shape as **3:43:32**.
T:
**2:02:39**
